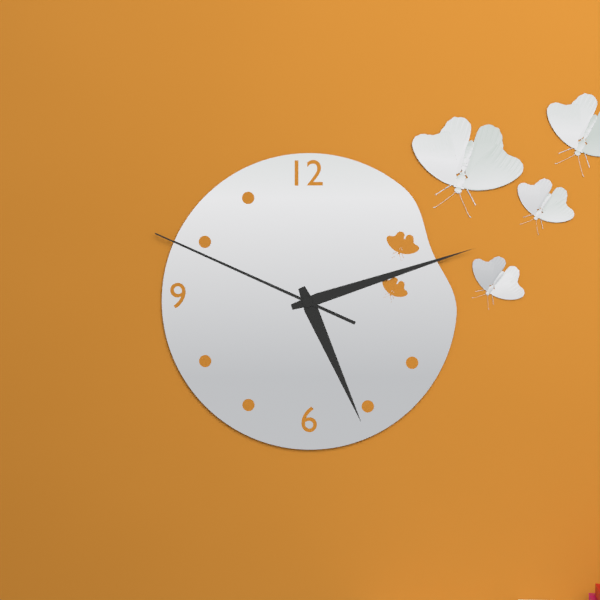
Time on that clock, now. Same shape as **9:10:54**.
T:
**5:12:49**
